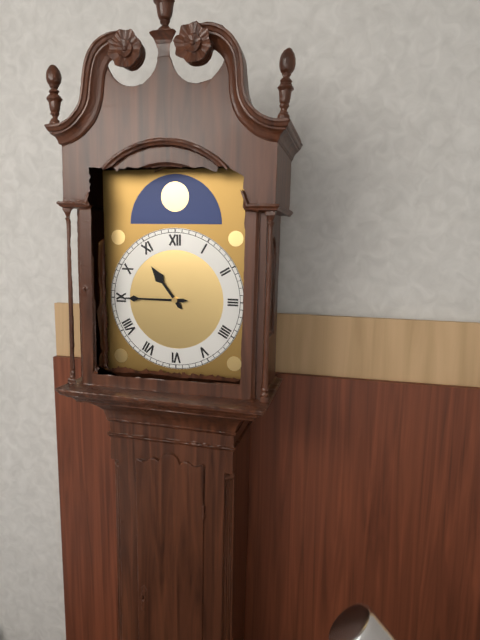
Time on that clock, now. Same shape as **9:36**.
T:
**10:45**
